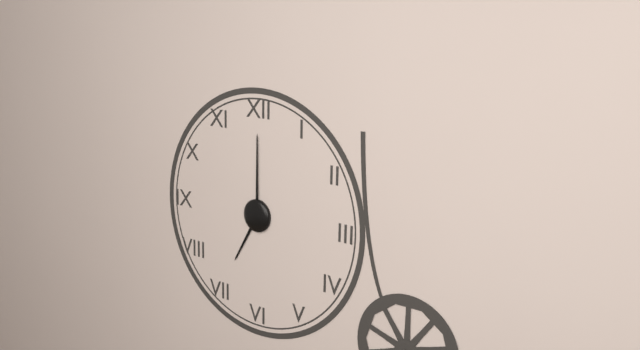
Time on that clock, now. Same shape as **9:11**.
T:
**7:00**
